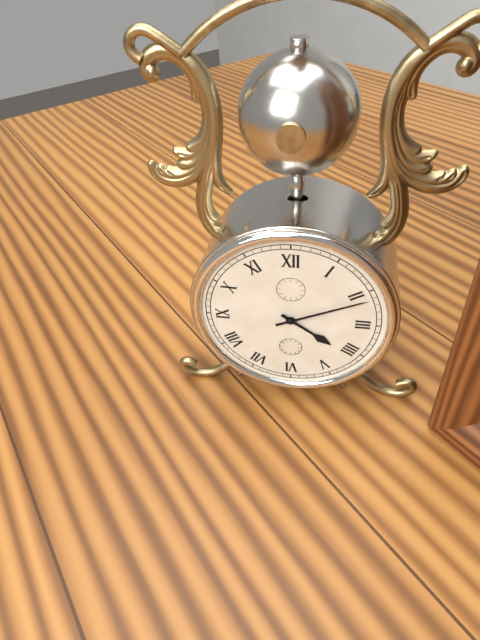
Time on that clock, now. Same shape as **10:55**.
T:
**4:11**
